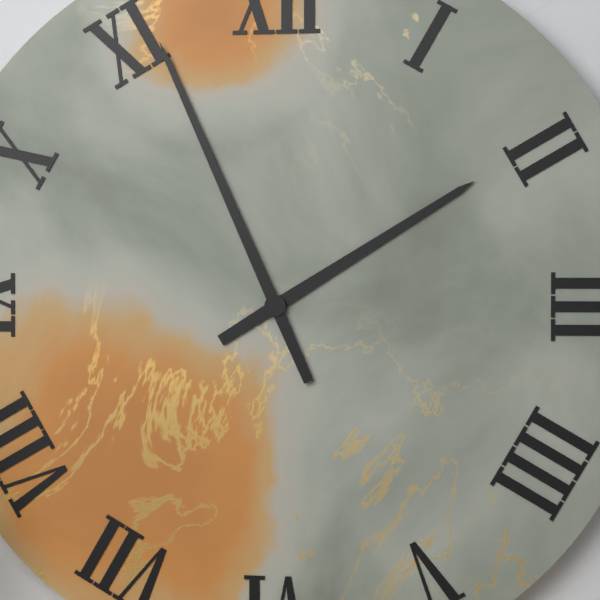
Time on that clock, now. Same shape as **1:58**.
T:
**1:56**
